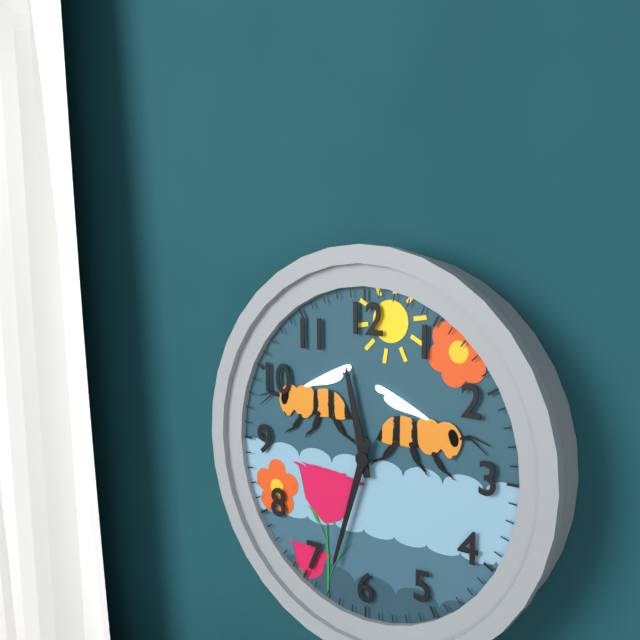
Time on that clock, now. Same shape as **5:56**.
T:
**11:33**
